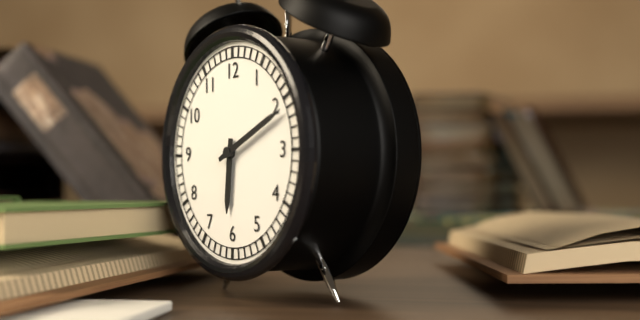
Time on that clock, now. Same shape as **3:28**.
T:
**6:11**
